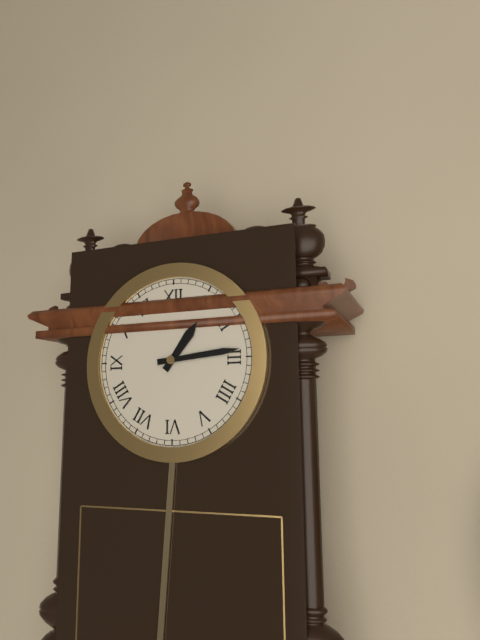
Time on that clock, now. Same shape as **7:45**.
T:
**1:14**
